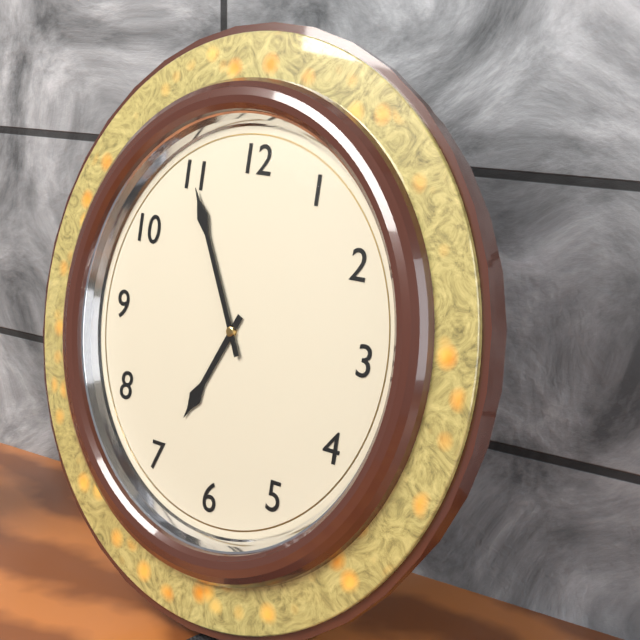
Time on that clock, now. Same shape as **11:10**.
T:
**6:55**
